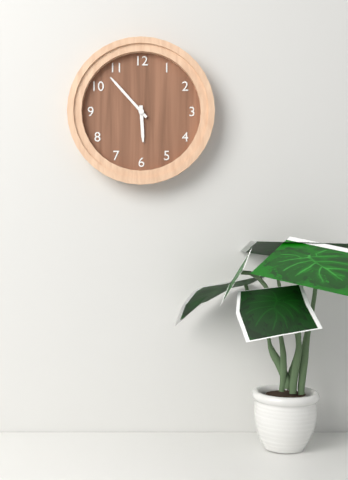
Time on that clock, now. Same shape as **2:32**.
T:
**5:53**
